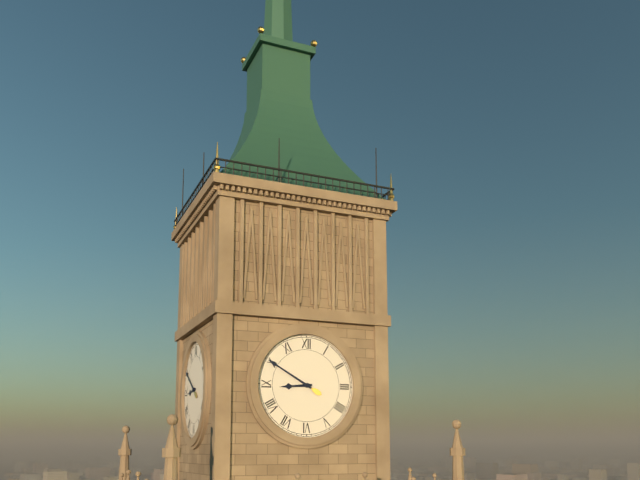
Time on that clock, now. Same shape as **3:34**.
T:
**8:50**
